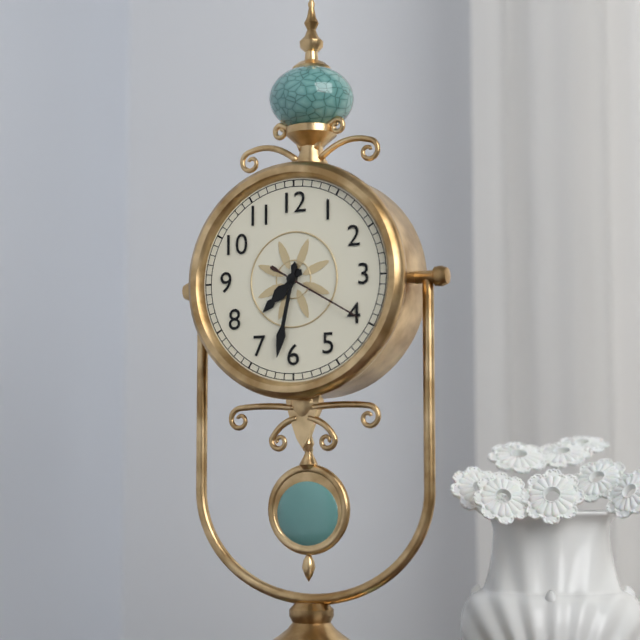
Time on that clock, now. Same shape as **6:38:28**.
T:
**7:32:20**
